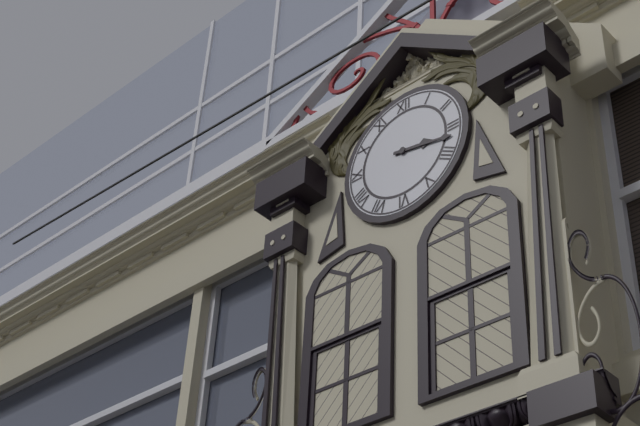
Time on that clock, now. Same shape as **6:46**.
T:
**3:17**
